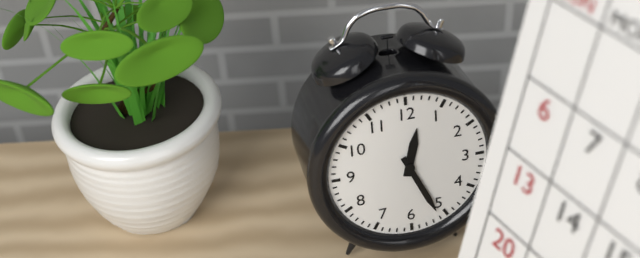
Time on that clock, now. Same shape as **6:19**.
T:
**12:26**
